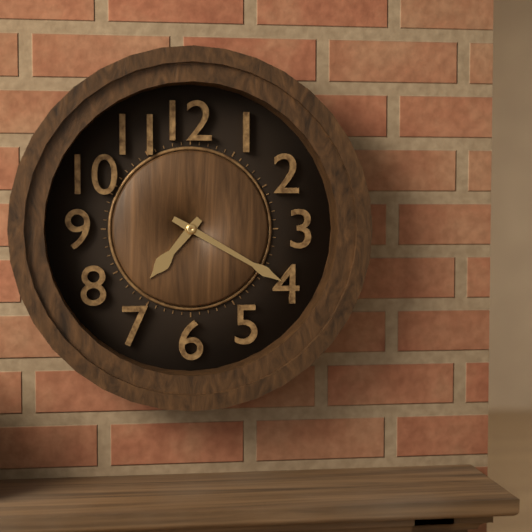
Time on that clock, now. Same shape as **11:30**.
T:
**7:20**
